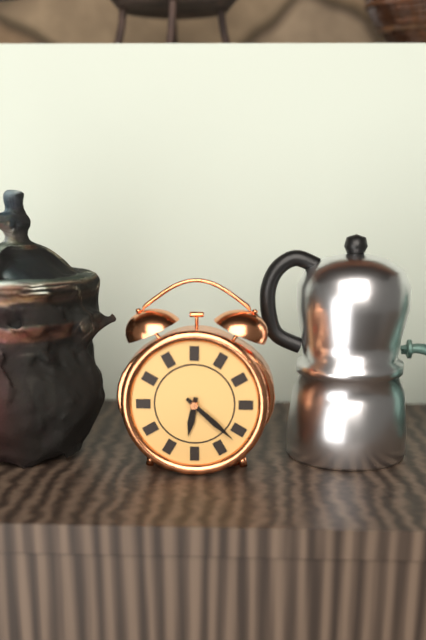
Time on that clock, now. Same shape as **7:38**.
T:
**6:22**
